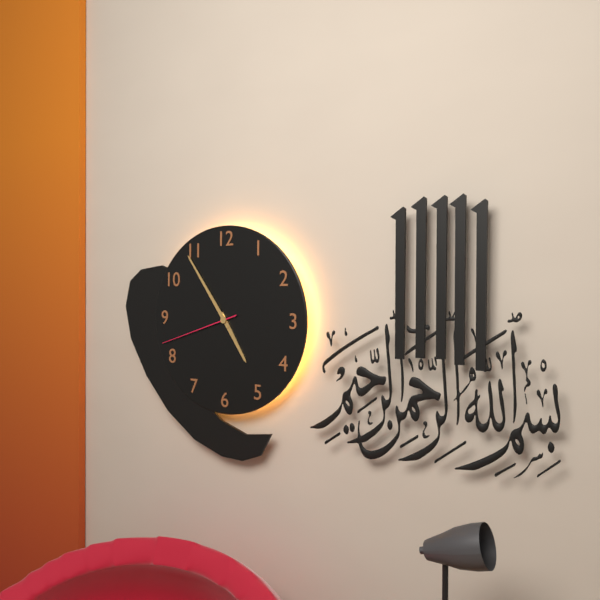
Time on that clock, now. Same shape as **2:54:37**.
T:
**4:54:42**
